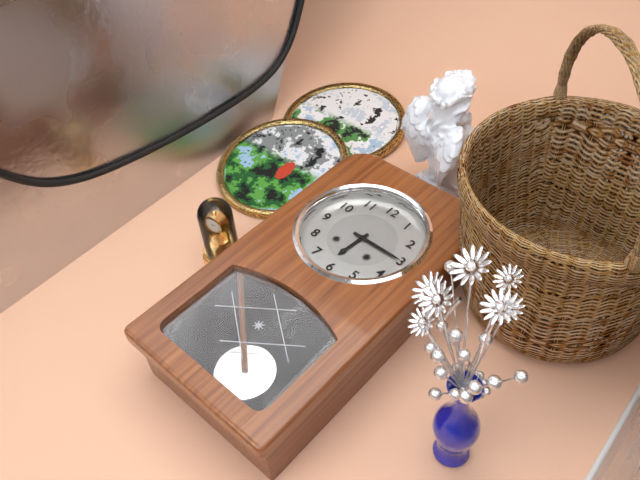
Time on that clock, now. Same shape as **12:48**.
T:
**6:15**
